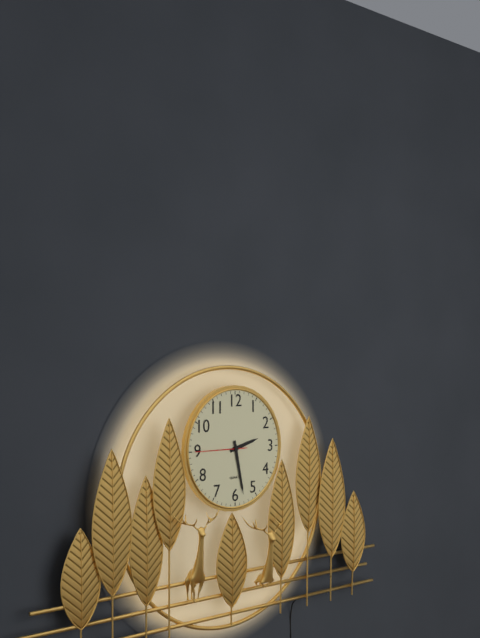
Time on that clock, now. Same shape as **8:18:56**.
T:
**2:28:45**
